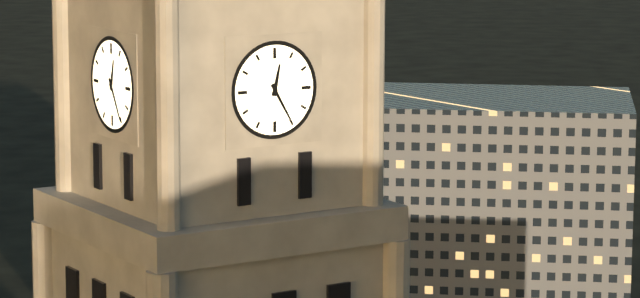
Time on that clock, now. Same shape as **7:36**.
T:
**12:25**
